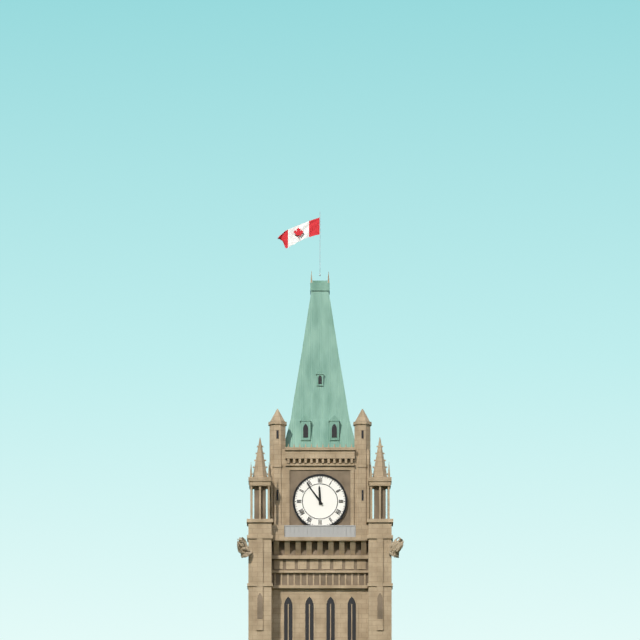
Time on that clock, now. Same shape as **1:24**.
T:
**11:54**
